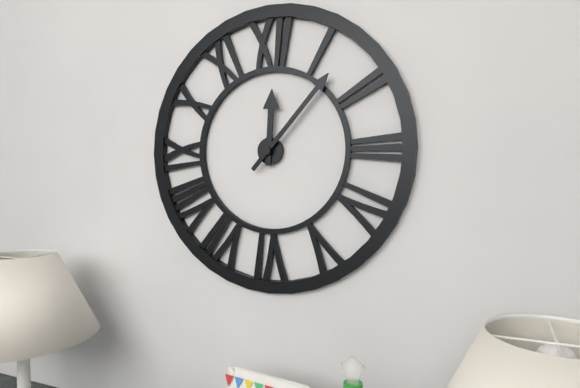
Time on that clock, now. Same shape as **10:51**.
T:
**12:07**
